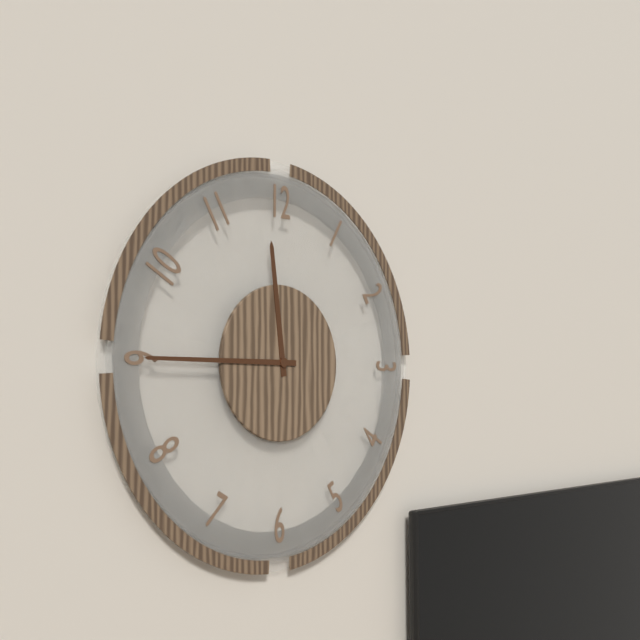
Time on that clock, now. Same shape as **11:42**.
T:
**11:45**
